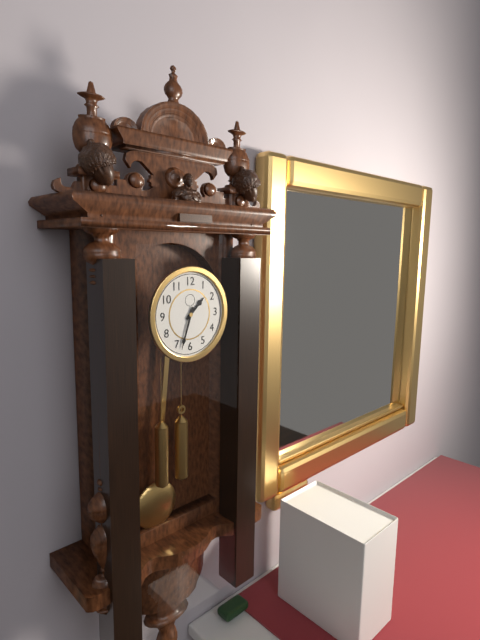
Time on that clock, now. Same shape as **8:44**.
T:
**1:33**
